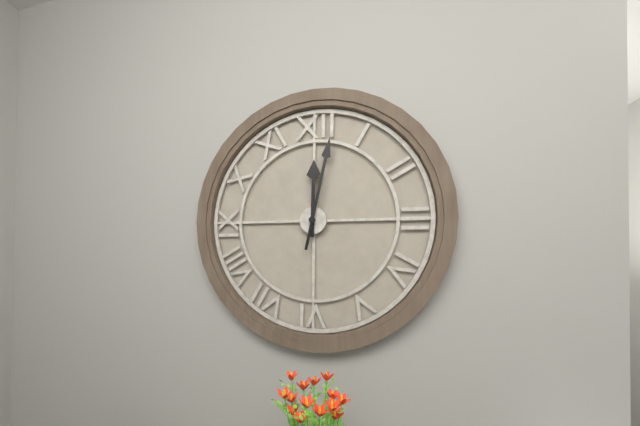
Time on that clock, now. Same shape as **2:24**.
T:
**12:02**
